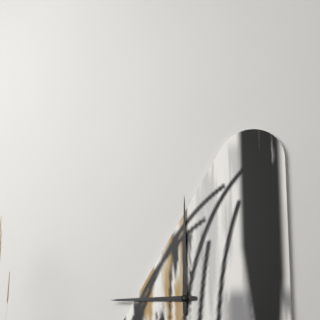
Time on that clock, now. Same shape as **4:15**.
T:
**9:00**
